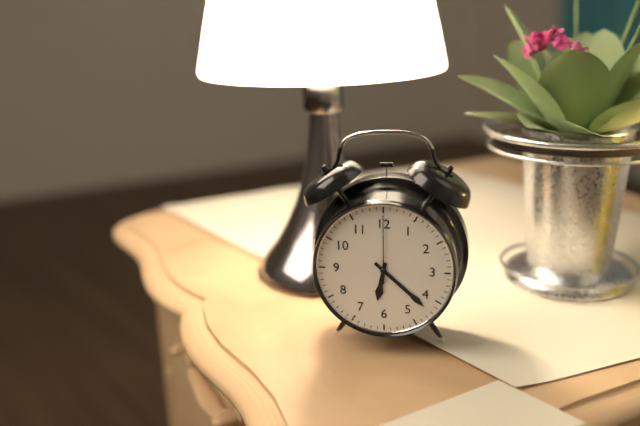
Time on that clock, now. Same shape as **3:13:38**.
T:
**6:22:00**
